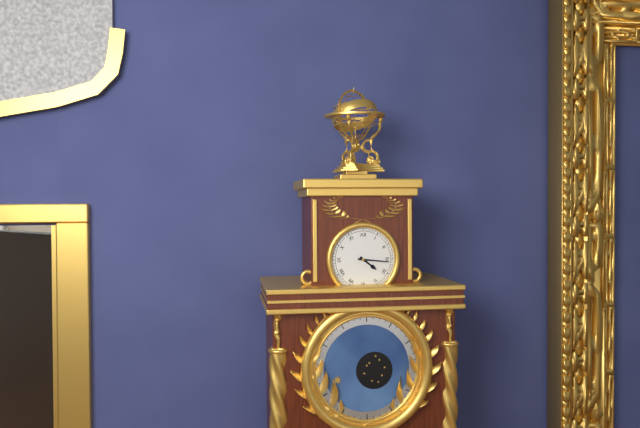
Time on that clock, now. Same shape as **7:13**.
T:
**4:16**
